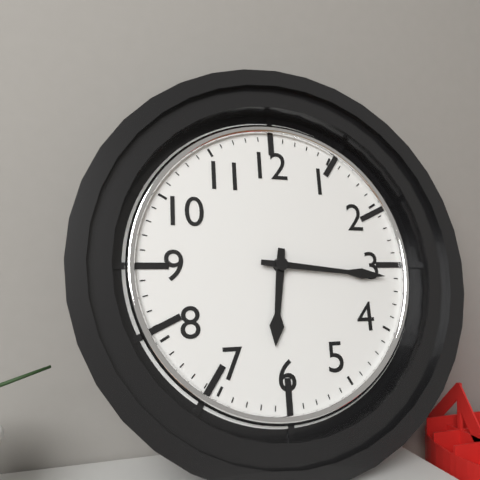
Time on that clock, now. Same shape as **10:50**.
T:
**6:16**
